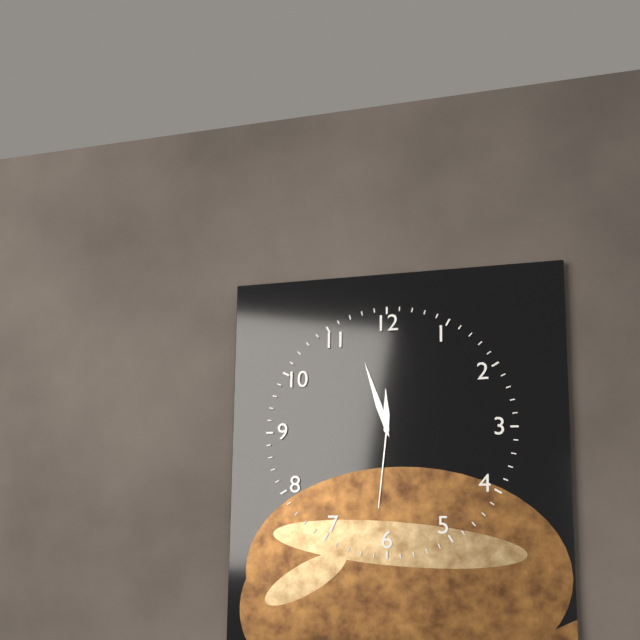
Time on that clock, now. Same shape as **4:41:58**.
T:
**11:57:31**
